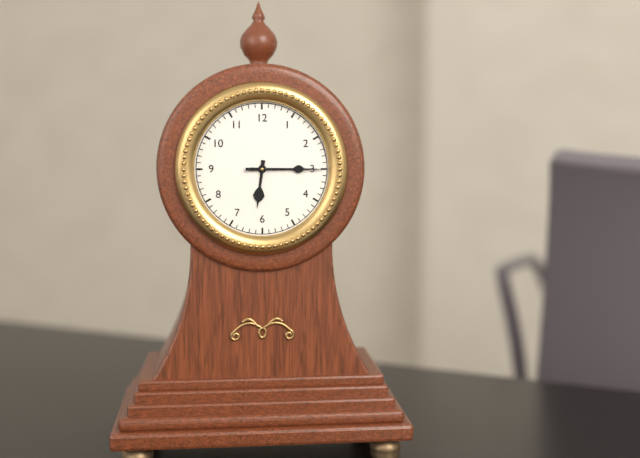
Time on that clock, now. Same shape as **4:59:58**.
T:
**6:15:15**
